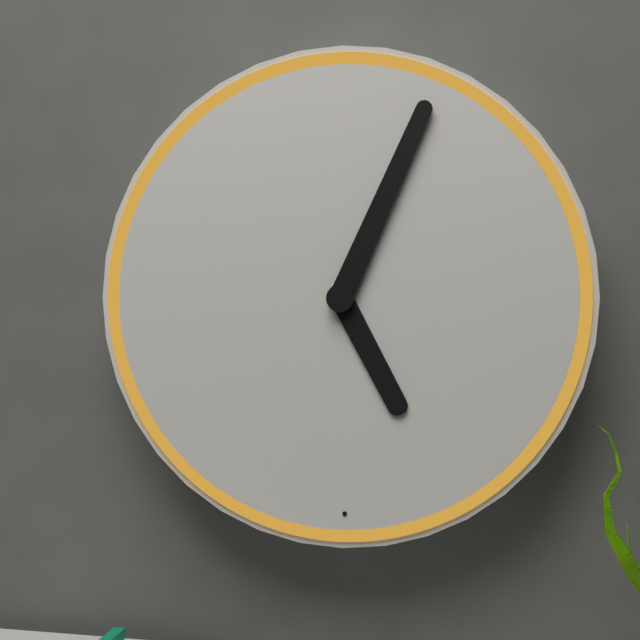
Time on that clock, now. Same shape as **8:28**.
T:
**5:04**
